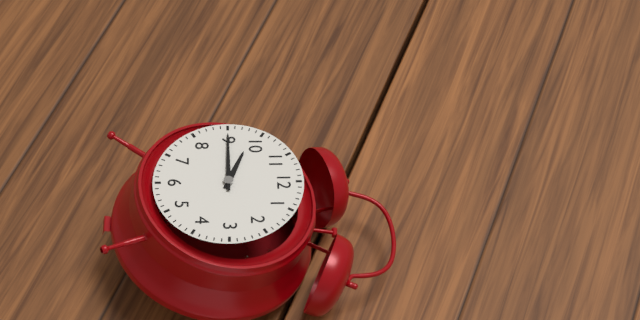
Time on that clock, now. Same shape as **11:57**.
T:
**9:45**
